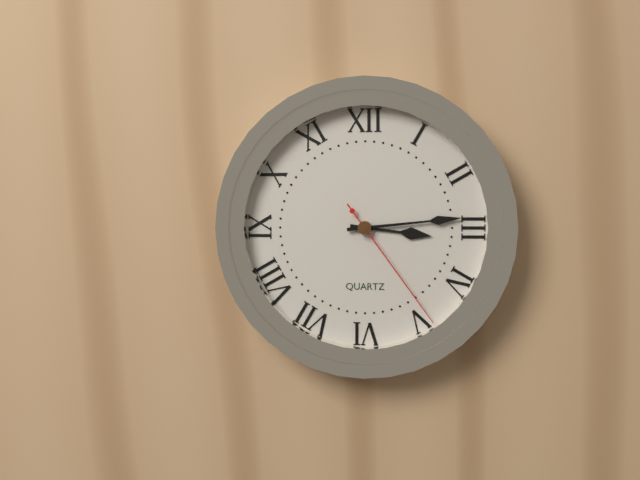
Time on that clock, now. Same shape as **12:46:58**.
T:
**3:14:24**
